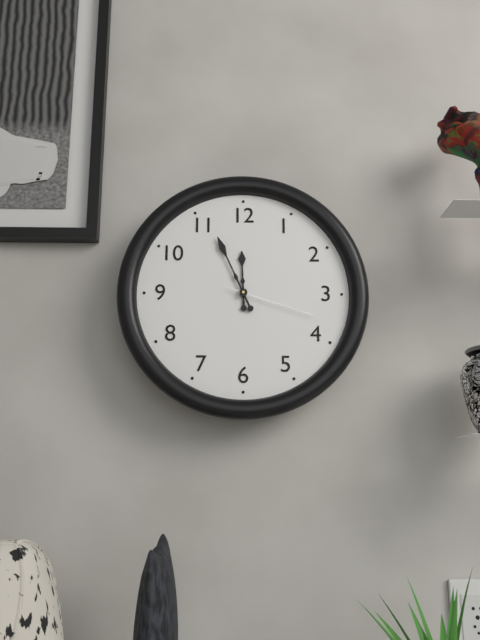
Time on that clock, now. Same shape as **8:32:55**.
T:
**11:56:18**
